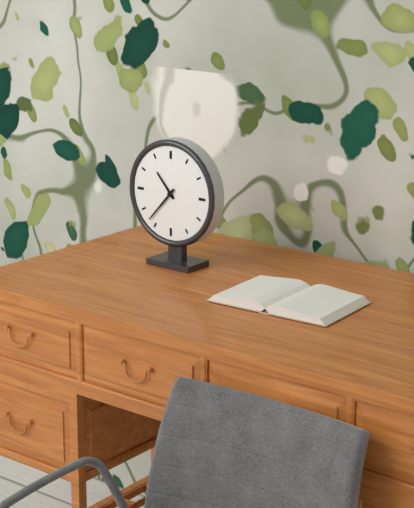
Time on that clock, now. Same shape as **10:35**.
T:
**10:37**
